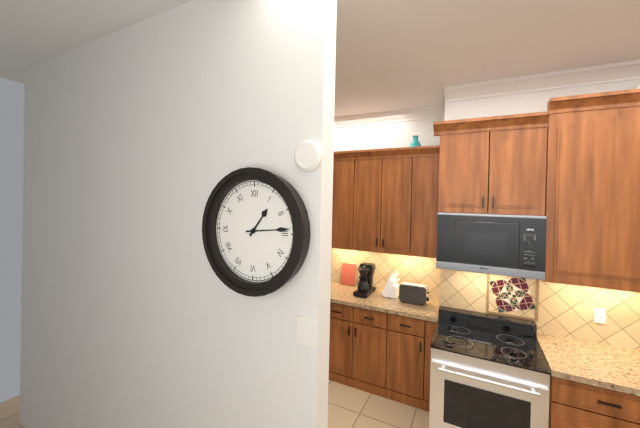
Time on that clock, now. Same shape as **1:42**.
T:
**1:14**
